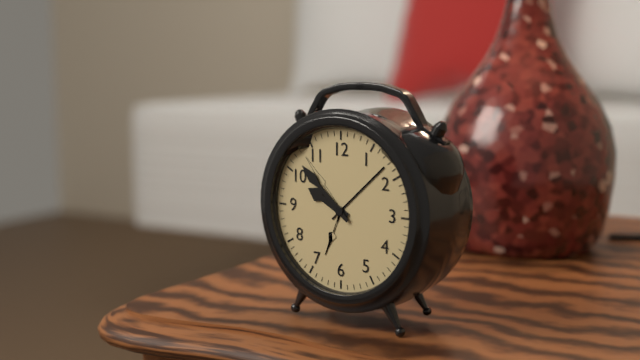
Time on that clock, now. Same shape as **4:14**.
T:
**9:52**
